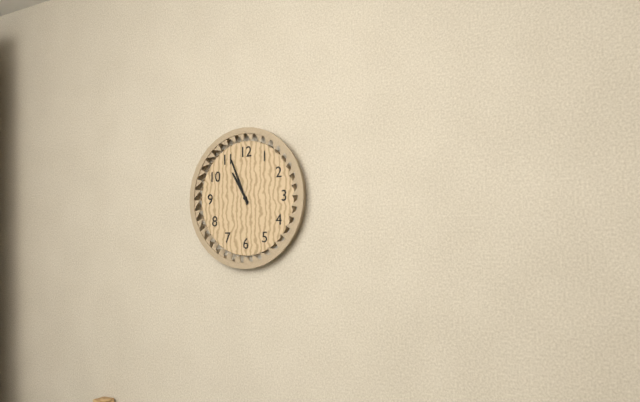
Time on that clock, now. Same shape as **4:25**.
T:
**10:56**
